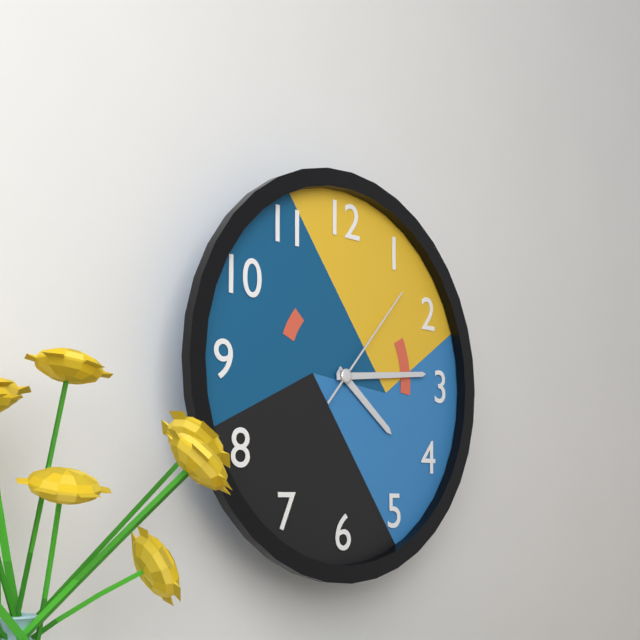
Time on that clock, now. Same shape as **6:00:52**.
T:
**4:14:07**
